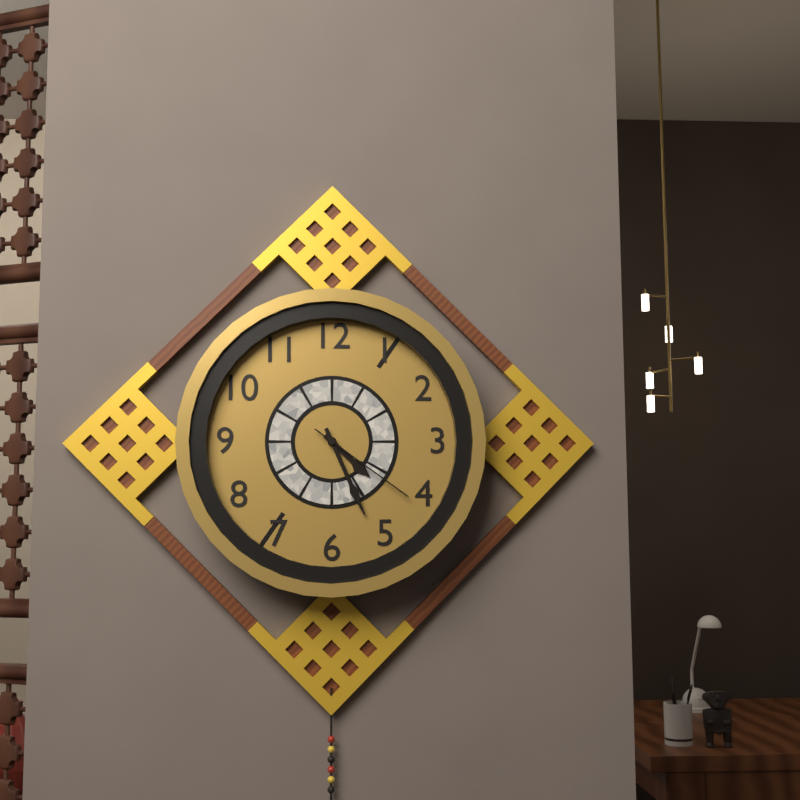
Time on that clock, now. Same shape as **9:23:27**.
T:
**4:26:21**
